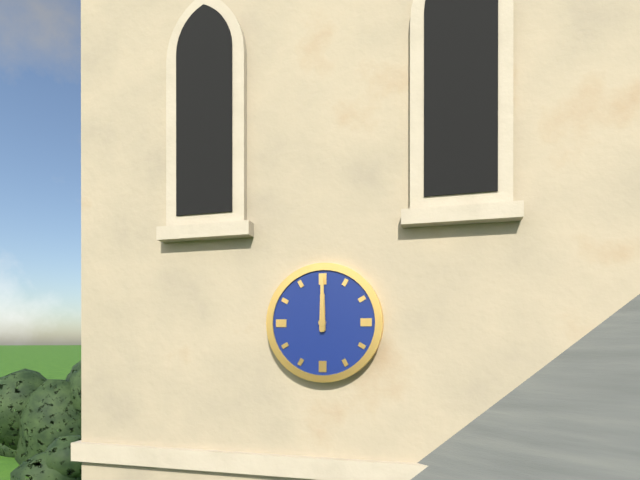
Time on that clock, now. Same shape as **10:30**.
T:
**12:00**
